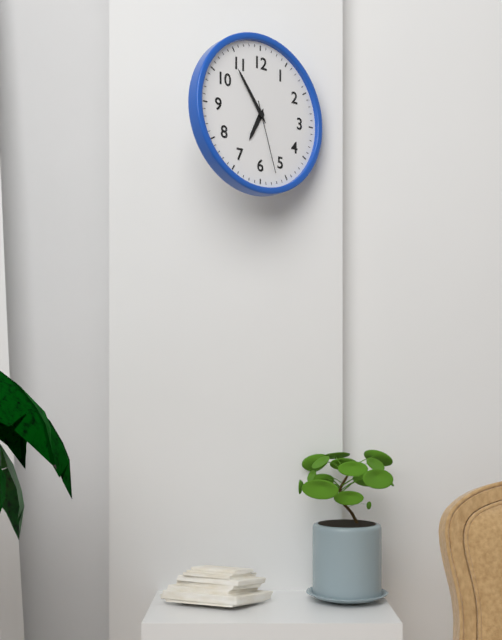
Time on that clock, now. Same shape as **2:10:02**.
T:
**6:54:27**
